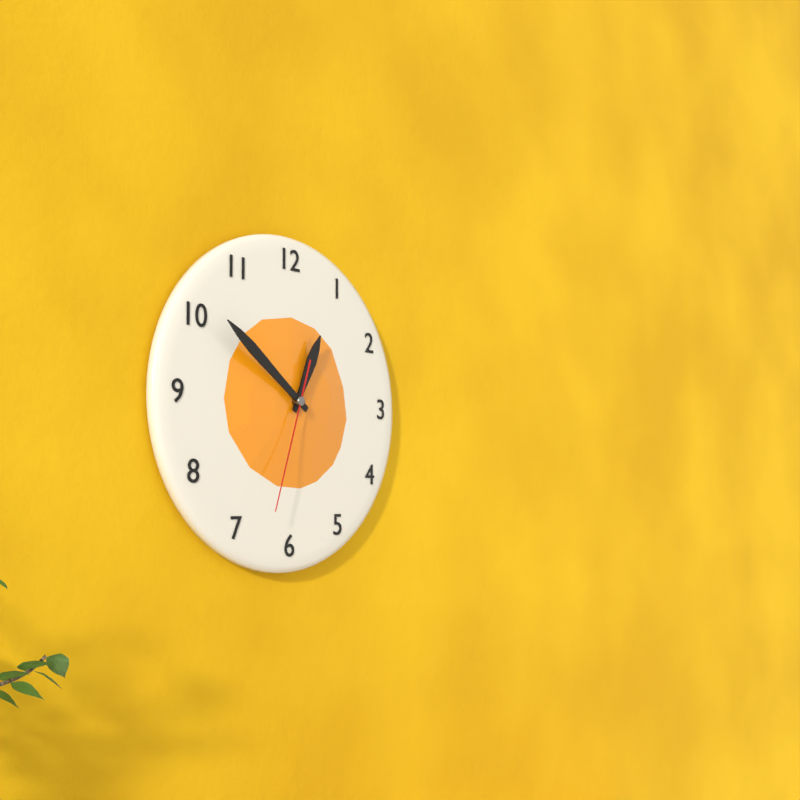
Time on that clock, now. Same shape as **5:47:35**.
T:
**12:51:33**
